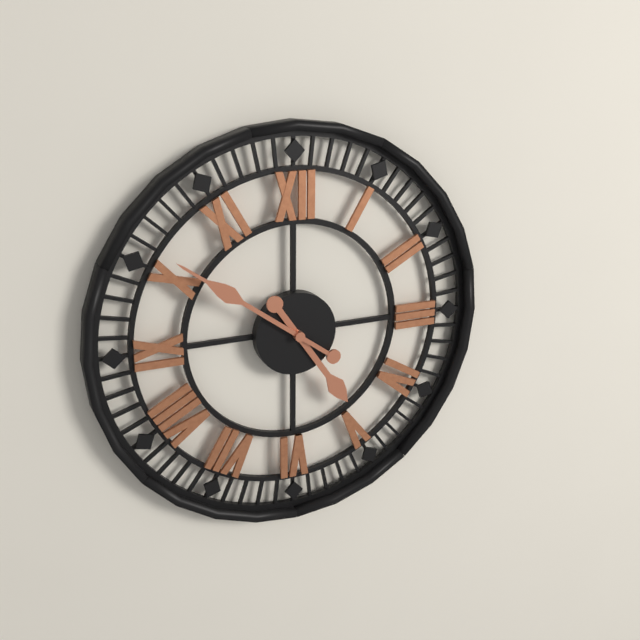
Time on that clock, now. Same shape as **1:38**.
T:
**4:51**
